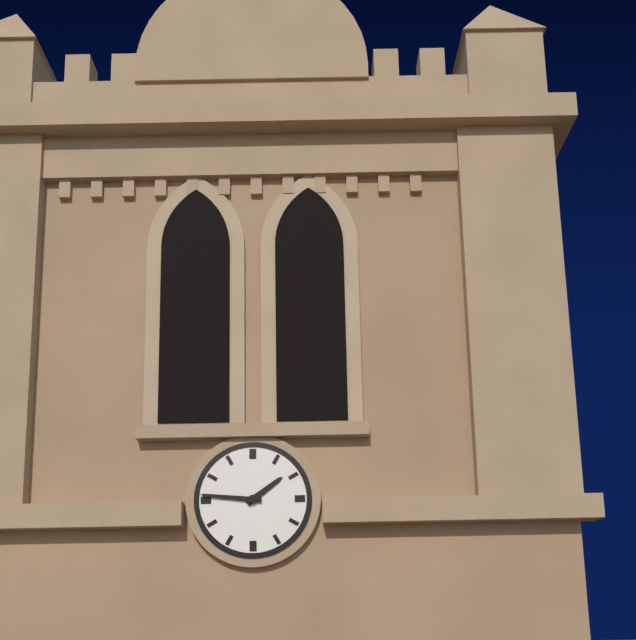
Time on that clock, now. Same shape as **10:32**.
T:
**1:46**
